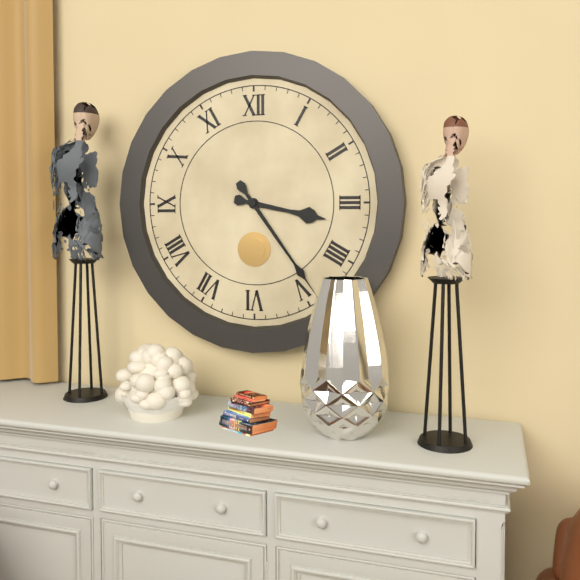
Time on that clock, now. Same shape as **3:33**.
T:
**3:24**
